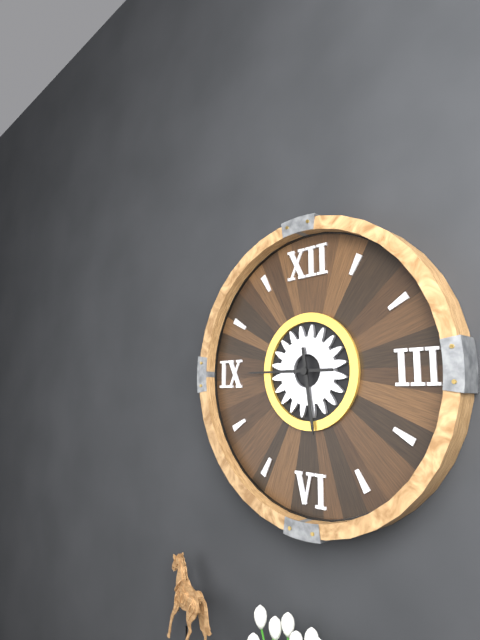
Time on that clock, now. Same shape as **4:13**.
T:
**5:45**
